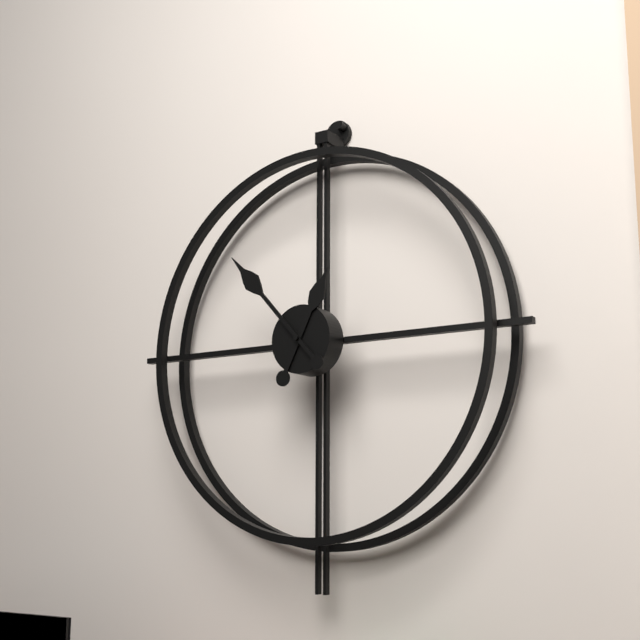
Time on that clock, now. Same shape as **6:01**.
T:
**12:53**
